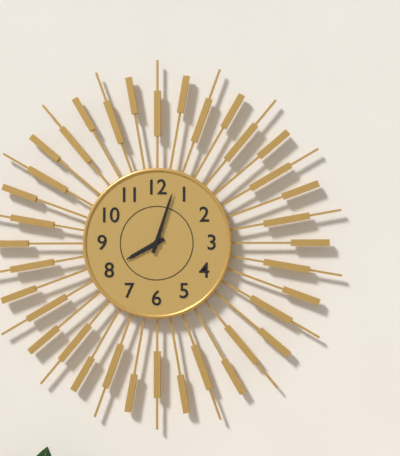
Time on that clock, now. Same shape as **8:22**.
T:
**8:03**
